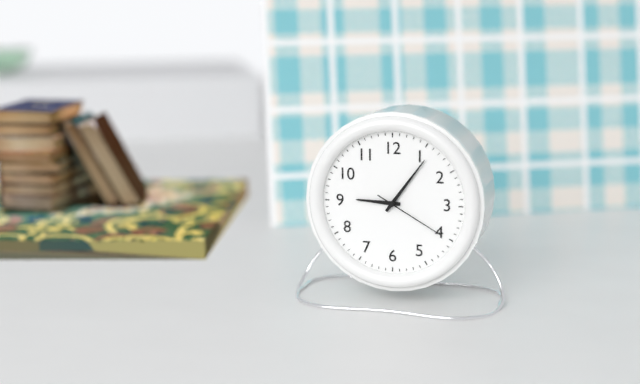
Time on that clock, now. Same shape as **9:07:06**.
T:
**9:06:20**
